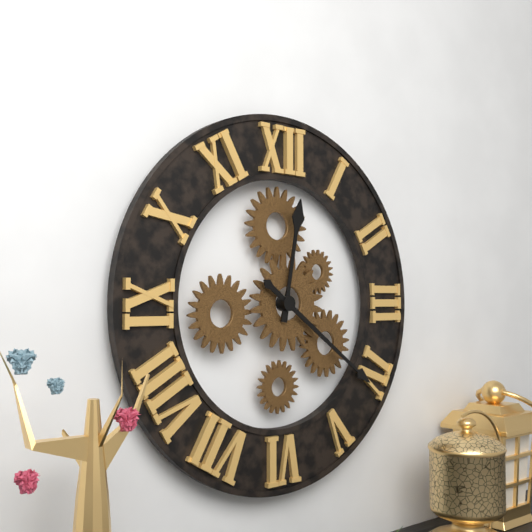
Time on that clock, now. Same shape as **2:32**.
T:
**12:21**
